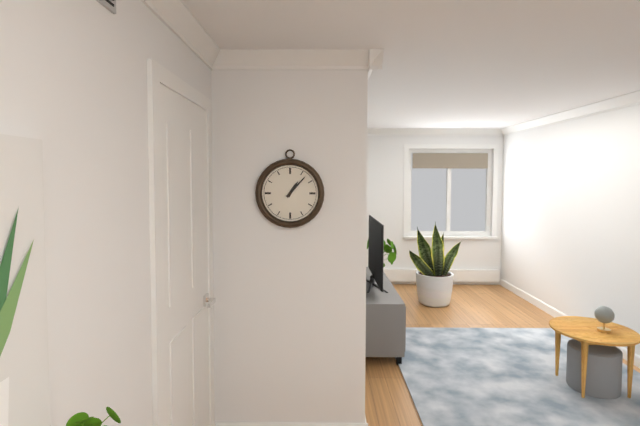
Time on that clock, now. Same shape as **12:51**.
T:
**1:07**
